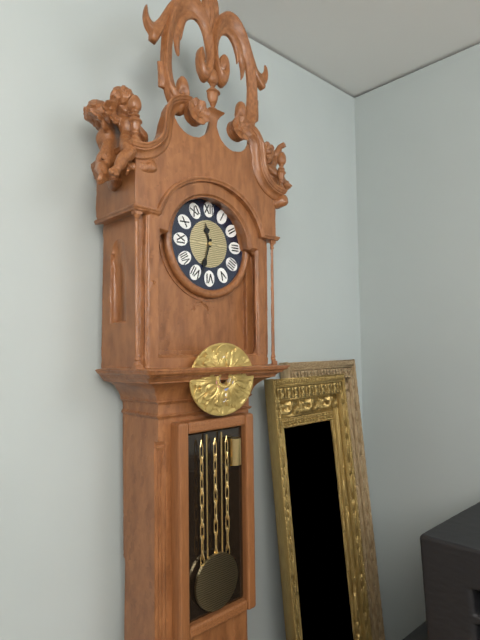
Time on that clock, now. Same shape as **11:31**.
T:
**11:33**
